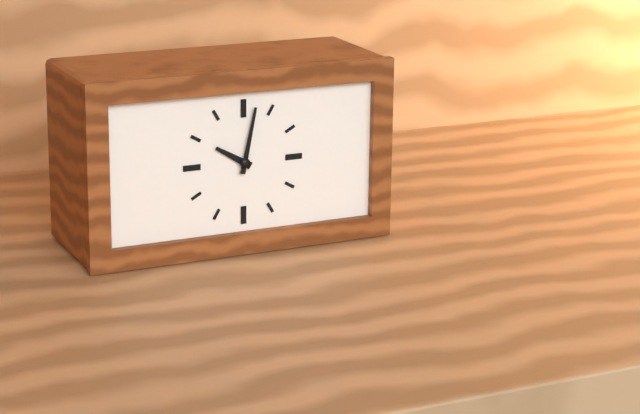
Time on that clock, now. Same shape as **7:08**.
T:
**10:02**
